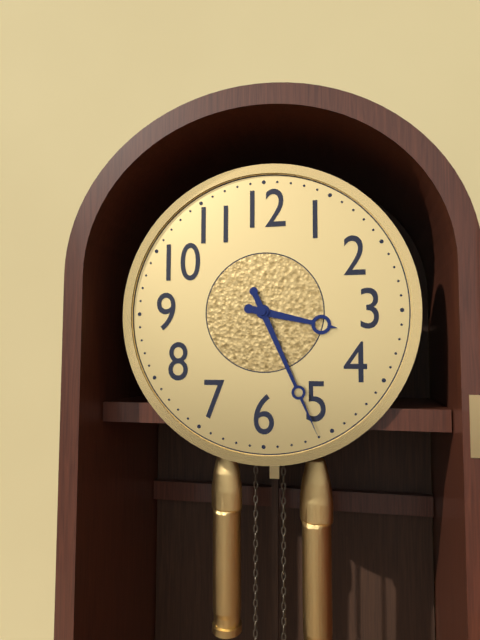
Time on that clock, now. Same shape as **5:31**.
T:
**3:26**
